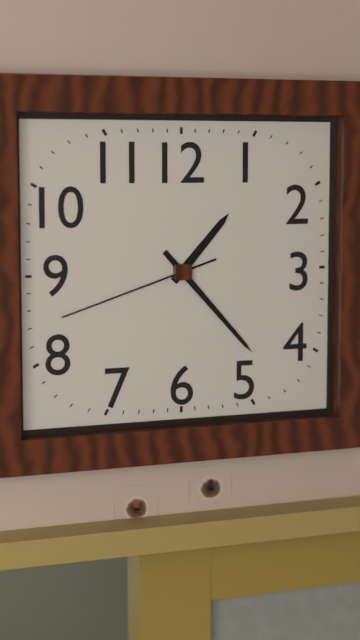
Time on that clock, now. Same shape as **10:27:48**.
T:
**1:23:42**
